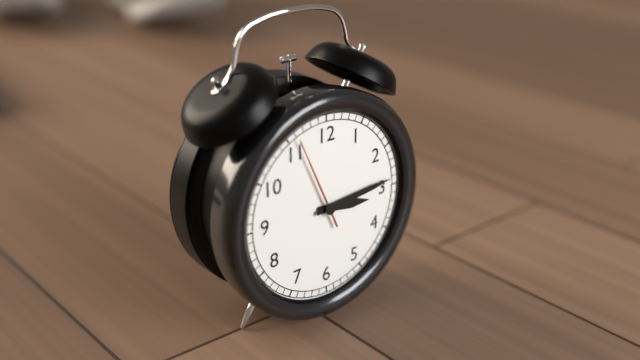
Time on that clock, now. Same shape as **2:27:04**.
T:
**3:14:56**
